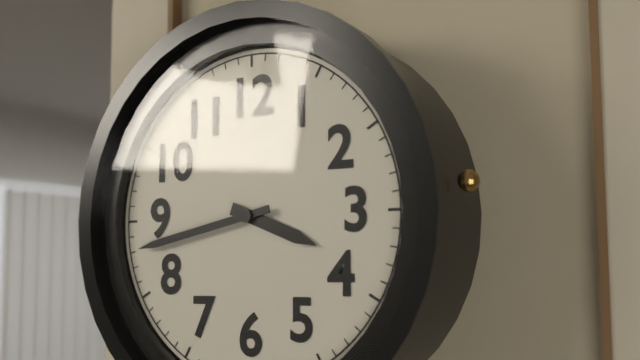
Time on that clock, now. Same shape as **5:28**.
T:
**3:43**
